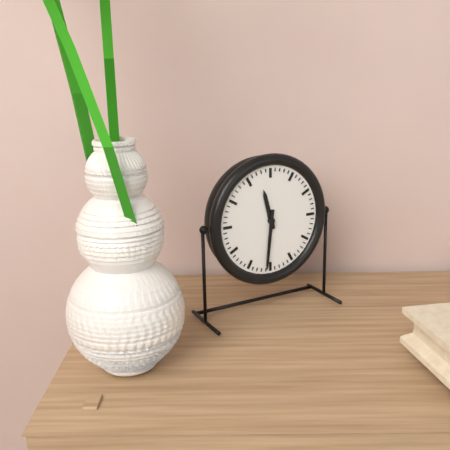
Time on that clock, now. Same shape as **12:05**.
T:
**11:31**
